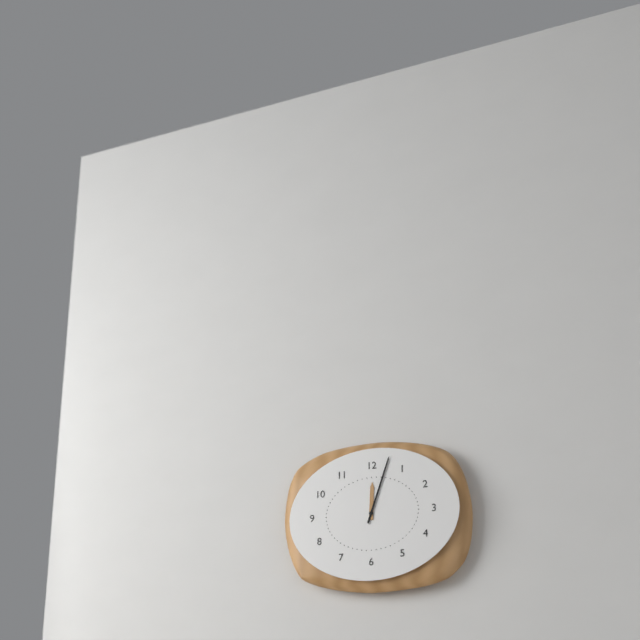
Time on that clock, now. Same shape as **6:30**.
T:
**12:03**
